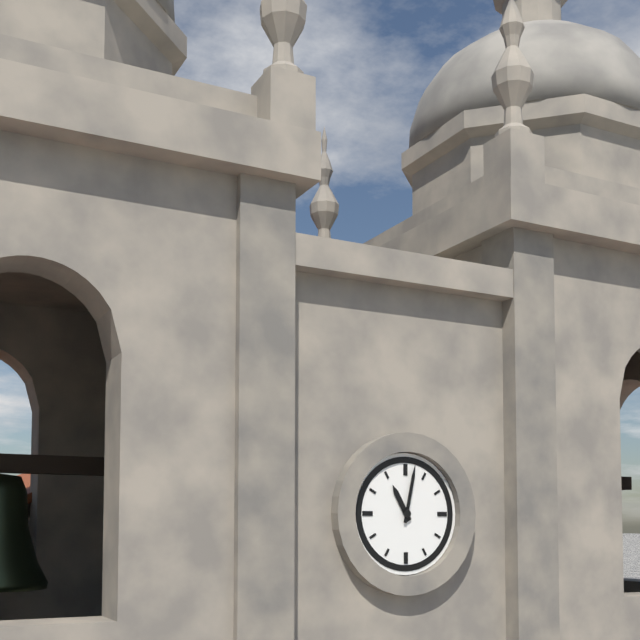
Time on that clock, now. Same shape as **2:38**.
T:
**11:02**
